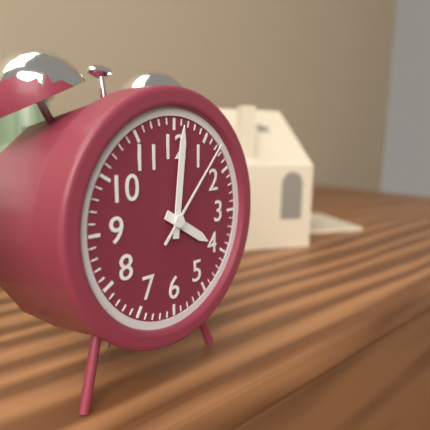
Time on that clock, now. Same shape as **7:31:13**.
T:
**4:01:07**
